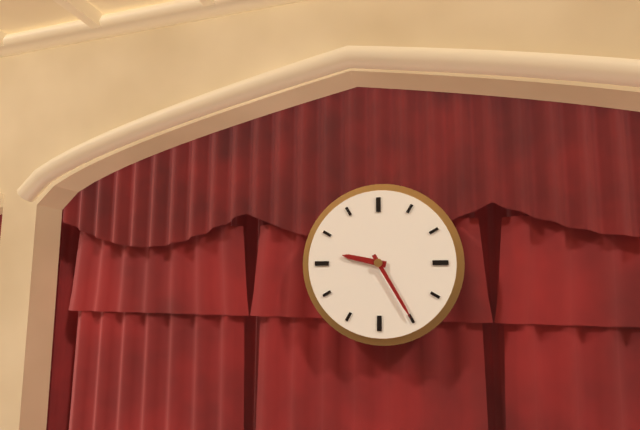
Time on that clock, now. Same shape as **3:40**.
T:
**9:25**
